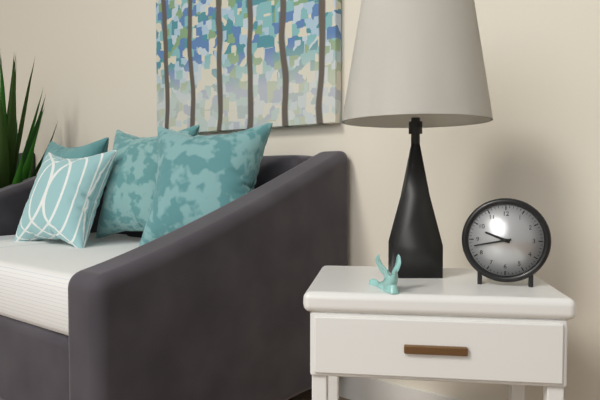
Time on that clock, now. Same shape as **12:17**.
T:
**9:43**
